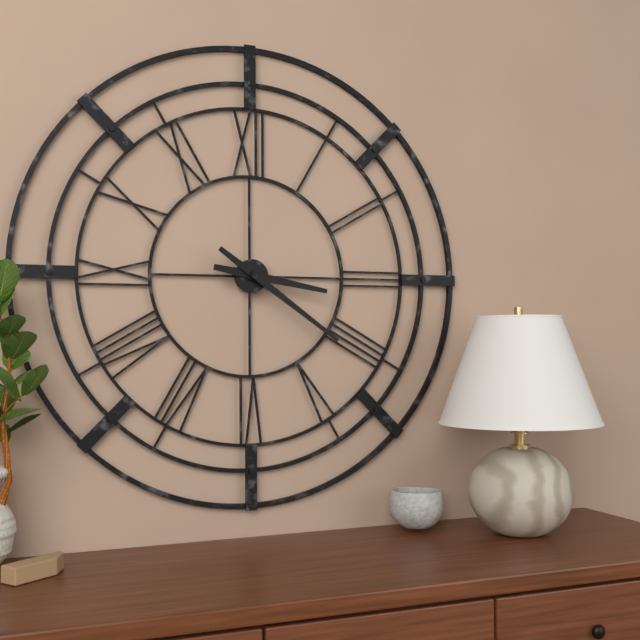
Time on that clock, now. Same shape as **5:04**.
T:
**3:21**
